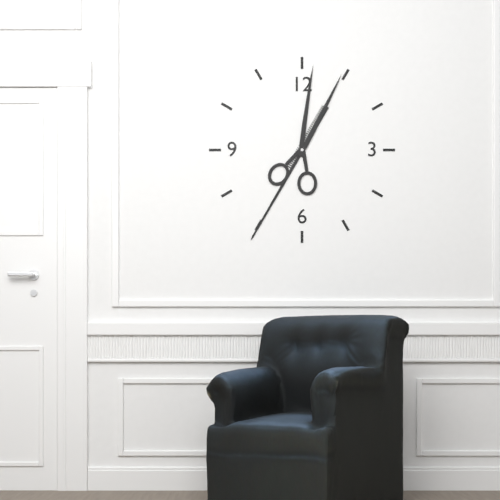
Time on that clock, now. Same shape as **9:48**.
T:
**12:35**
